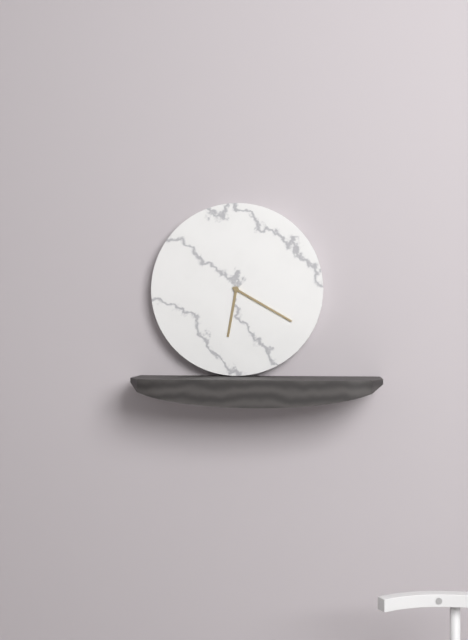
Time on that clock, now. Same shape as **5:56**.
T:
**6:20**
